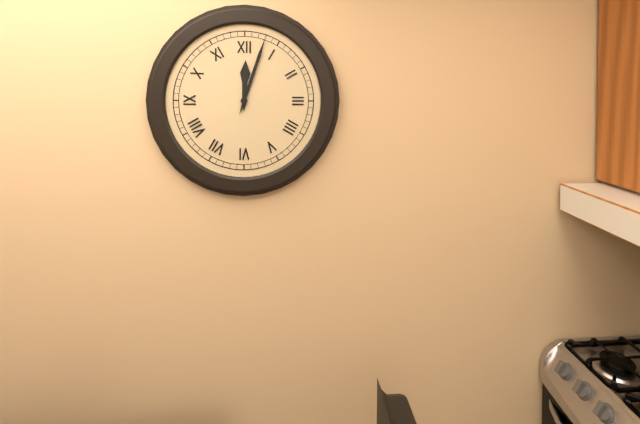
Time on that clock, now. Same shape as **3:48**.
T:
**12:03**
